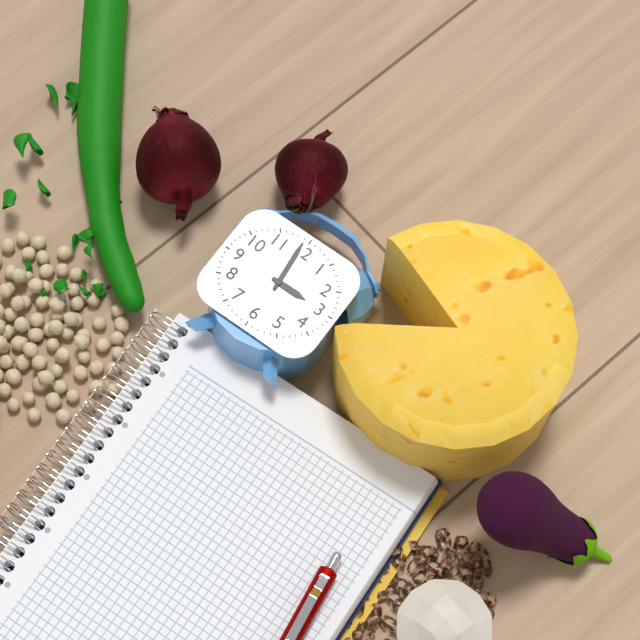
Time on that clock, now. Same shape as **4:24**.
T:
**2:59**
